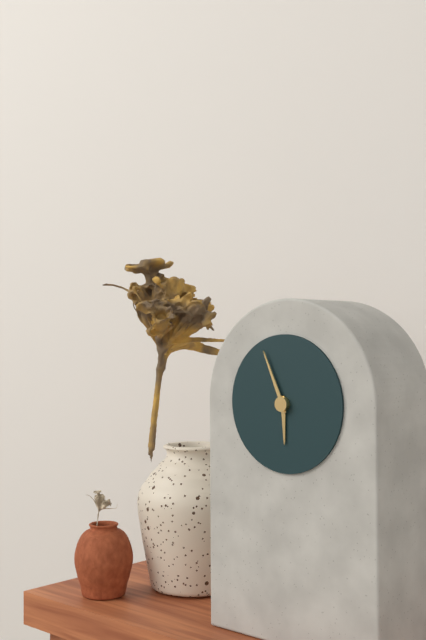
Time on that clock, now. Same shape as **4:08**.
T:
**5:56**
